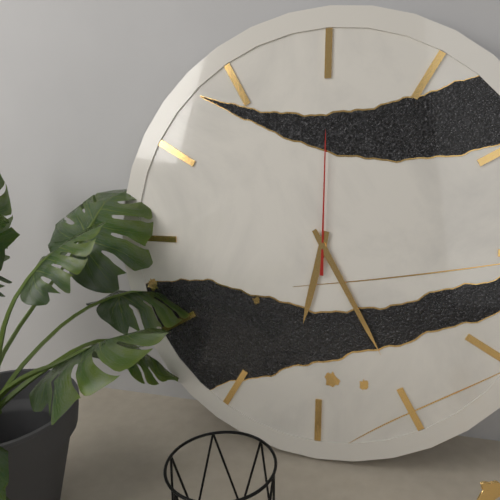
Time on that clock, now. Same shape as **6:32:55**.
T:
**6:25:00**
